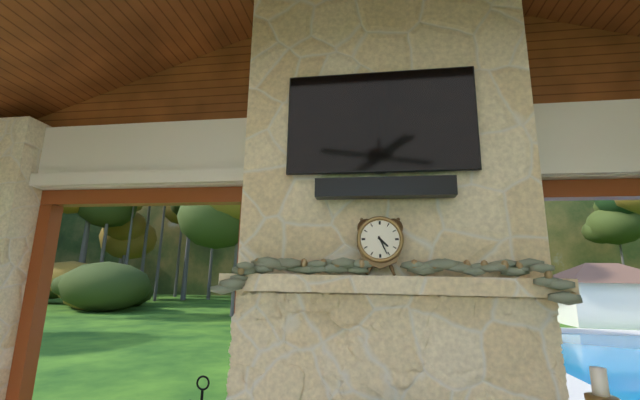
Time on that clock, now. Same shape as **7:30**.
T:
**4:26**
